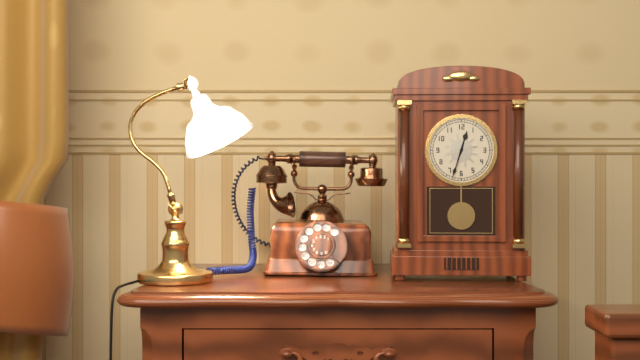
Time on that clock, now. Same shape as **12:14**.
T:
**12:33**
